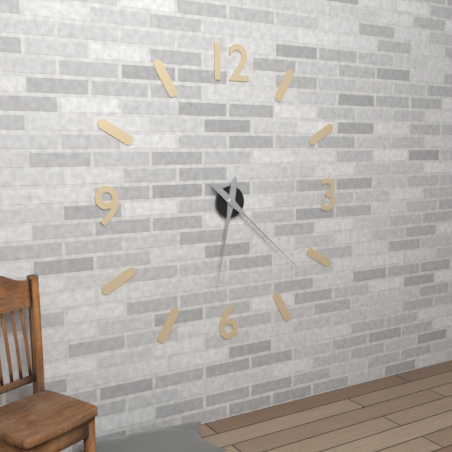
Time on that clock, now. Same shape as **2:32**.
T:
**6:22**
